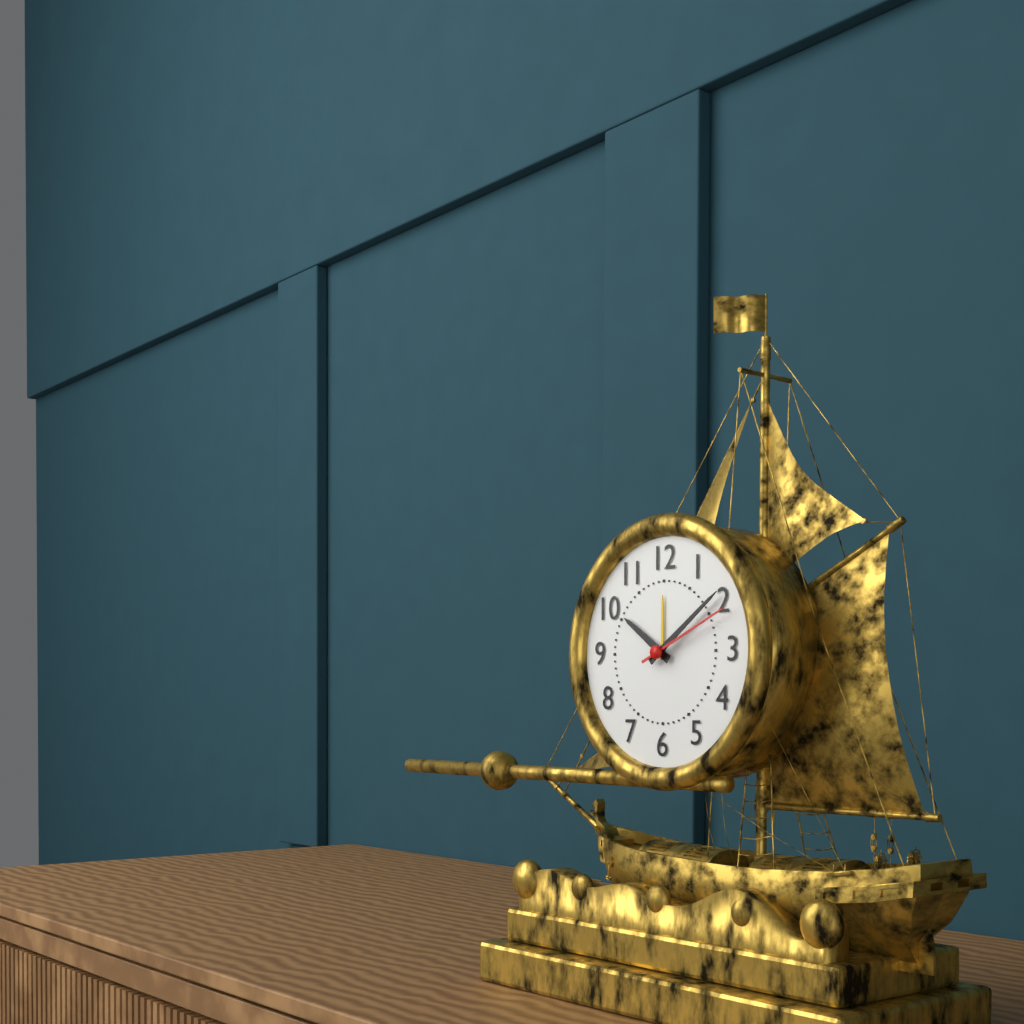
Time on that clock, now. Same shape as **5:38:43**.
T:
**10:09:11**
